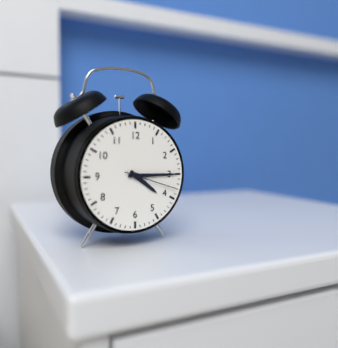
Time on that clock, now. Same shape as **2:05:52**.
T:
**4:15:18**
